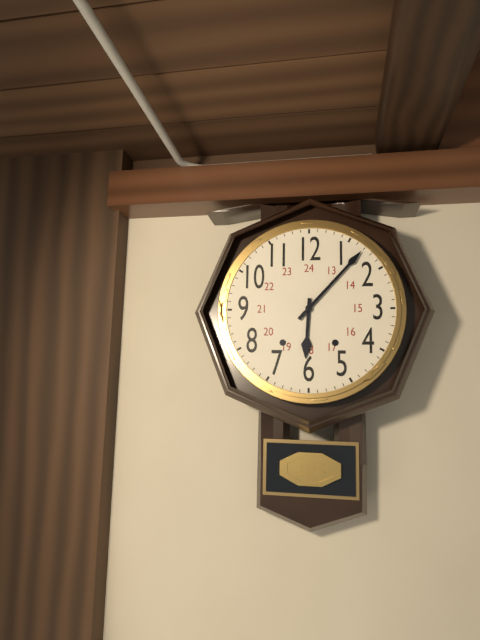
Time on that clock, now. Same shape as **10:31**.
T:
**6:07**
